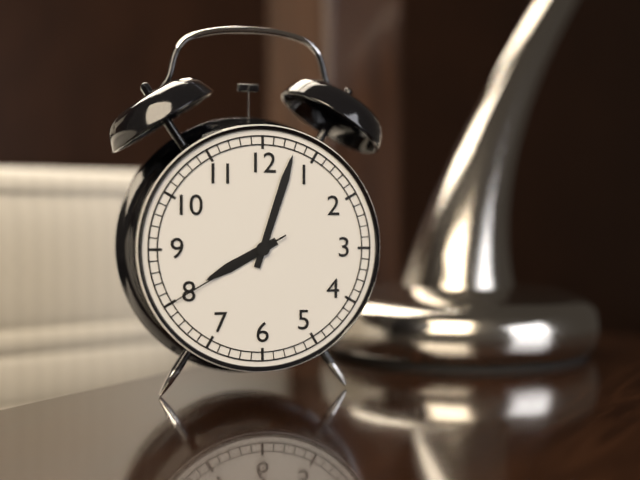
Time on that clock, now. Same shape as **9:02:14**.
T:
**8:03:40**
